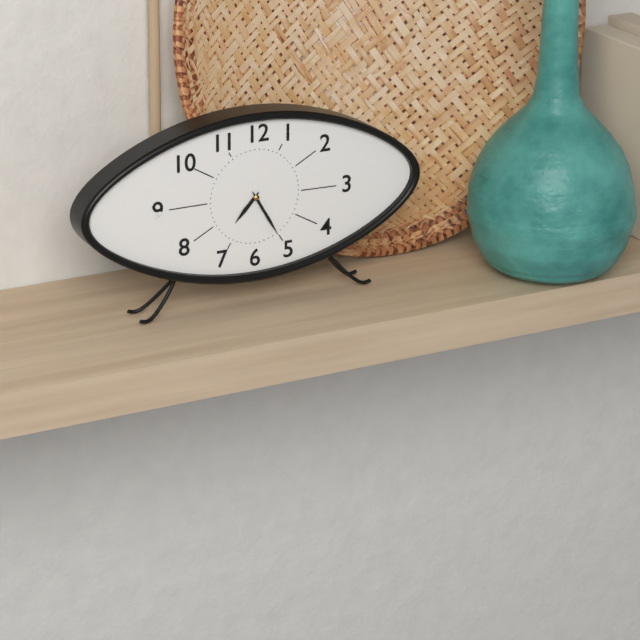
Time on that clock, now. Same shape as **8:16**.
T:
**7:25**
